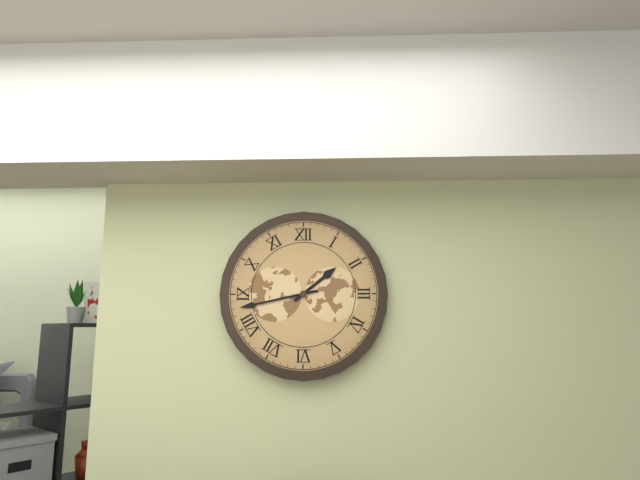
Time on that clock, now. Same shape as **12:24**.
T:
**1:43**
